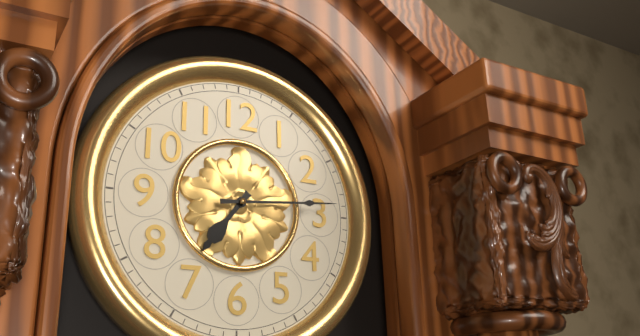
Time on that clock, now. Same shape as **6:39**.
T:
**7:14**
